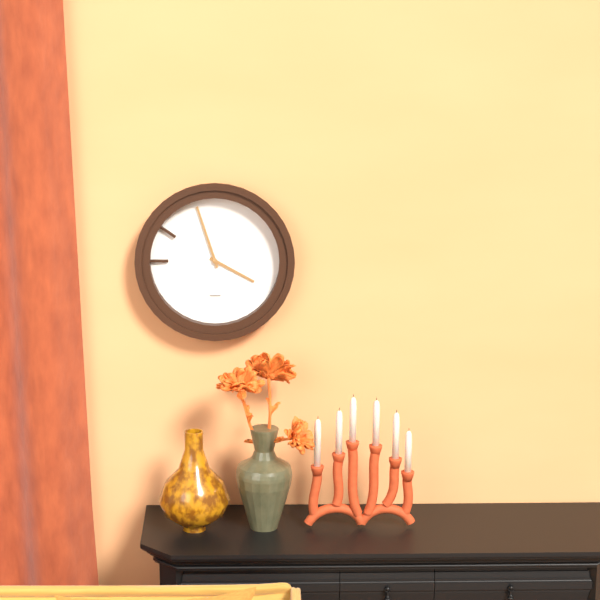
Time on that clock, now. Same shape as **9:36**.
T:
**3:57**
